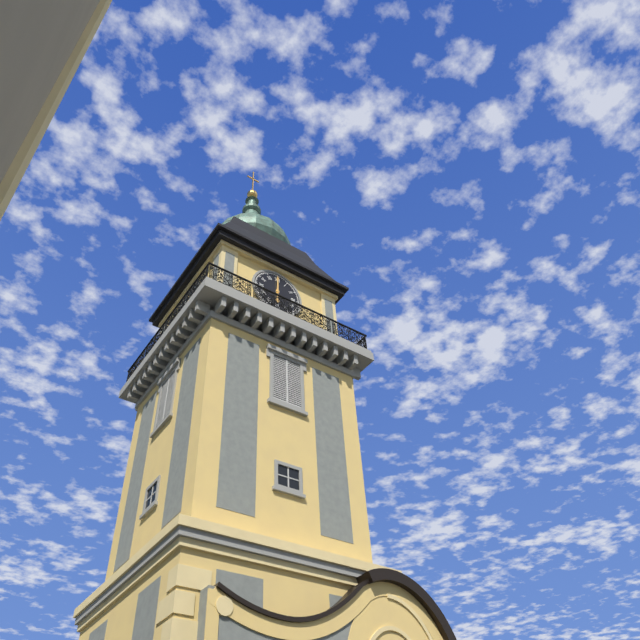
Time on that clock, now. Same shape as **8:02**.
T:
**6:00**
